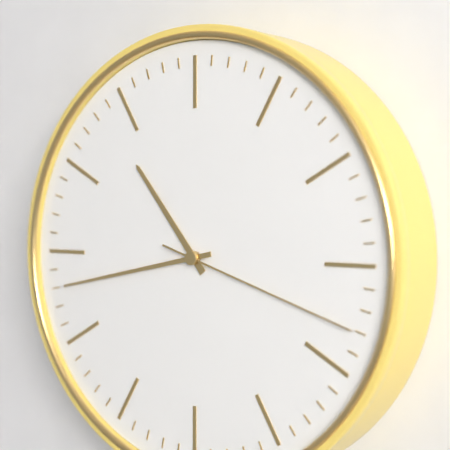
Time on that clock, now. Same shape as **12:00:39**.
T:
**10:43:18**
